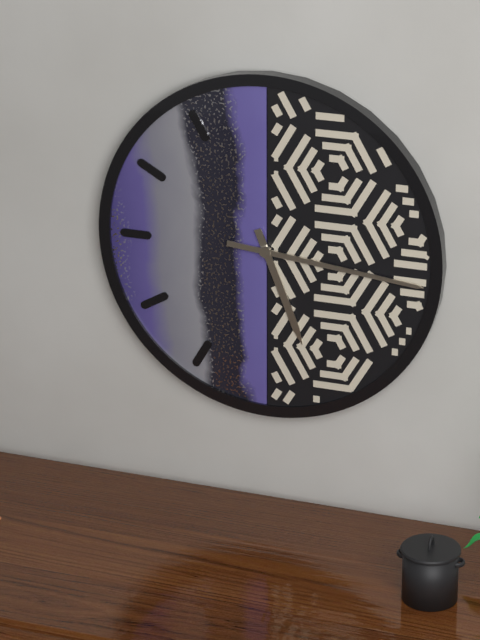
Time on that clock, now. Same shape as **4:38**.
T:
**5:16**
